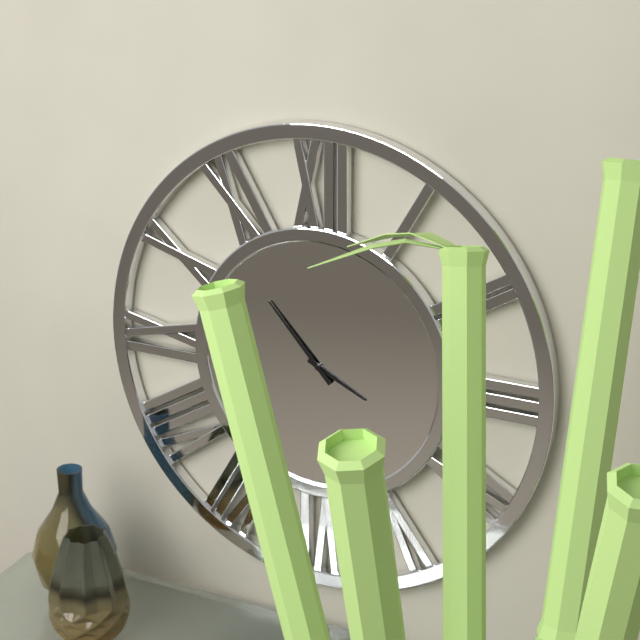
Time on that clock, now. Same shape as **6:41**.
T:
**3:53**
